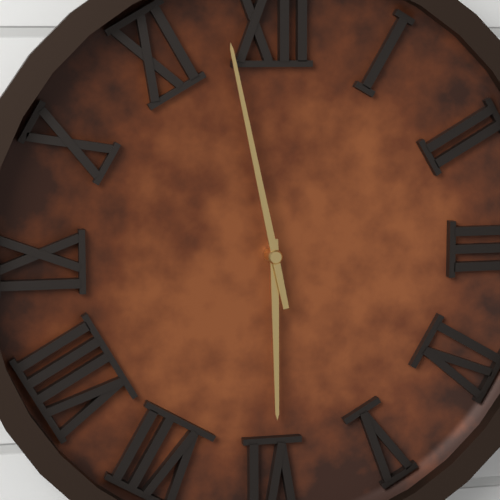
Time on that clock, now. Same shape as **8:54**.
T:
**5:58**
